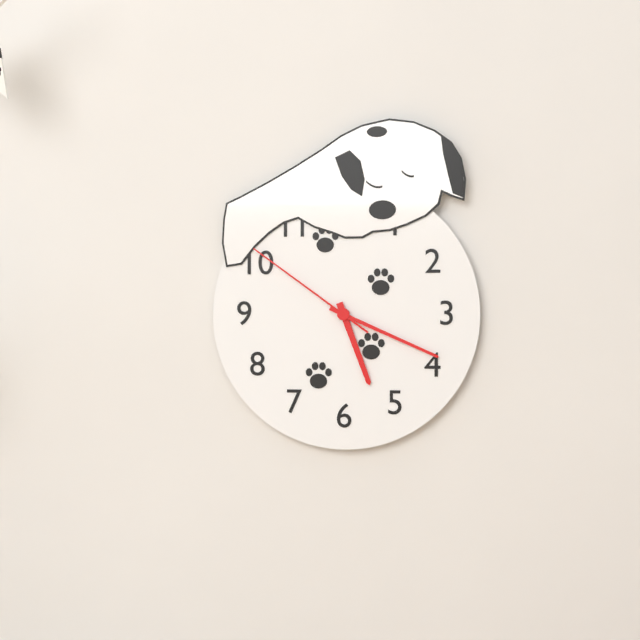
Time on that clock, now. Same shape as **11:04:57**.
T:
**5:19:51**
